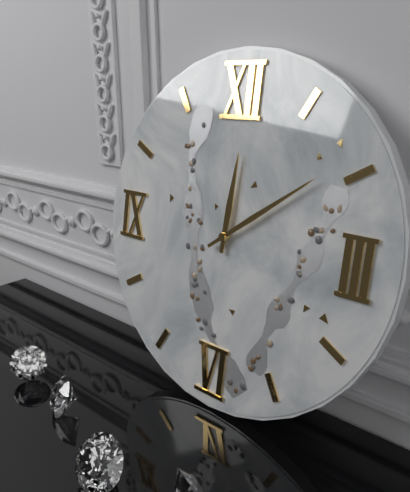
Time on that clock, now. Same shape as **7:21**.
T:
**12:09**
